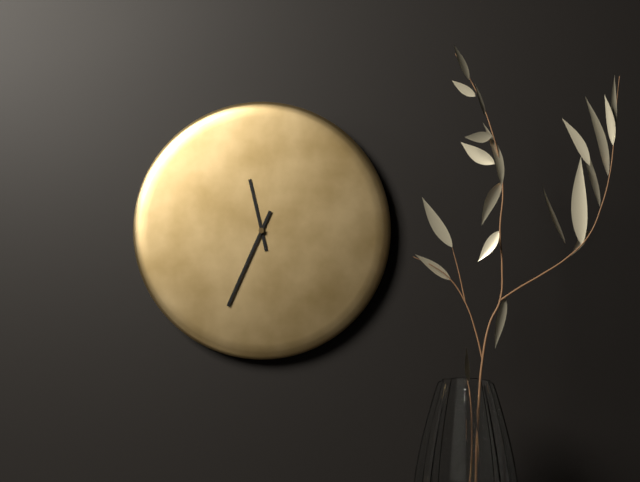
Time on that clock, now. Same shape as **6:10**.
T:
**11:34**
